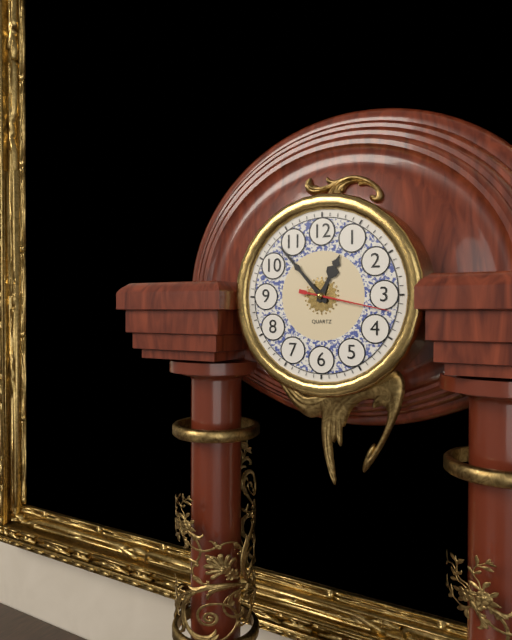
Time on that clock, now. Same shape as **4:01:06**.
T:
**12:53:17**
